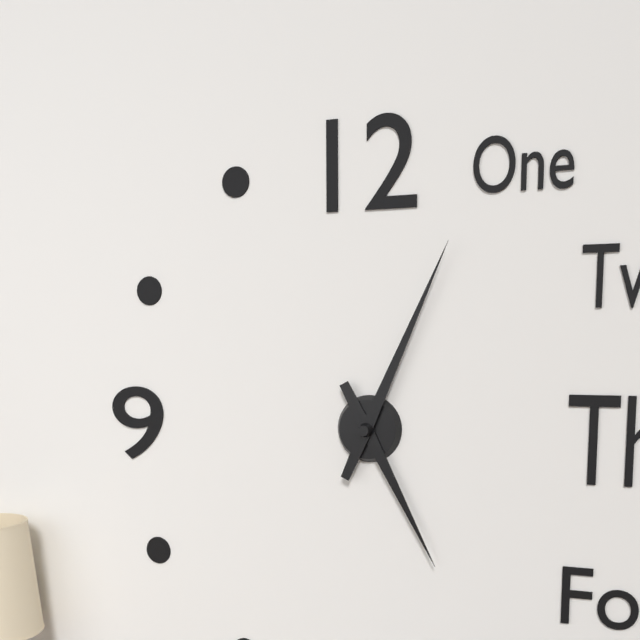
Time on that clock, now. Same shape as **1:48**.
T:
**5:04**
